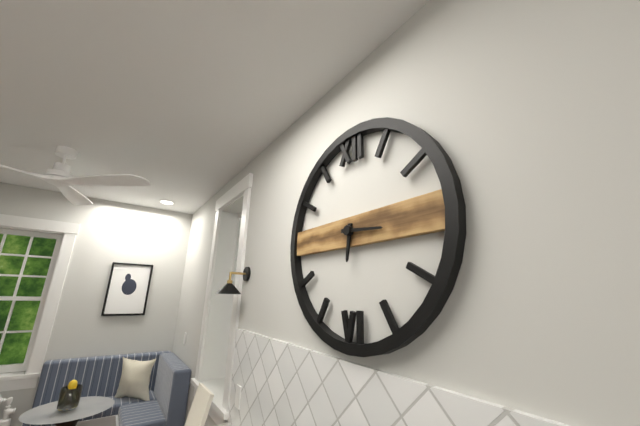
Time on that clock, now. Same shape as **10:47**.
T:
**6:16**
